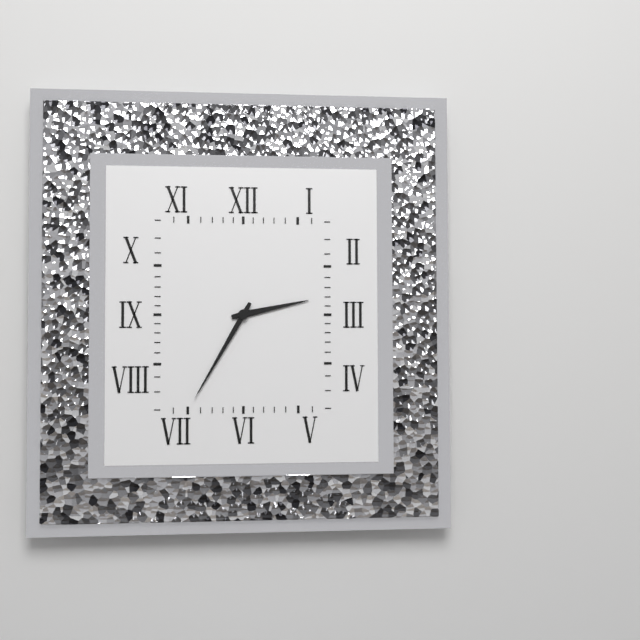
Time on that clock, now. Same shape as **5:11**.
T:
**2:35**
